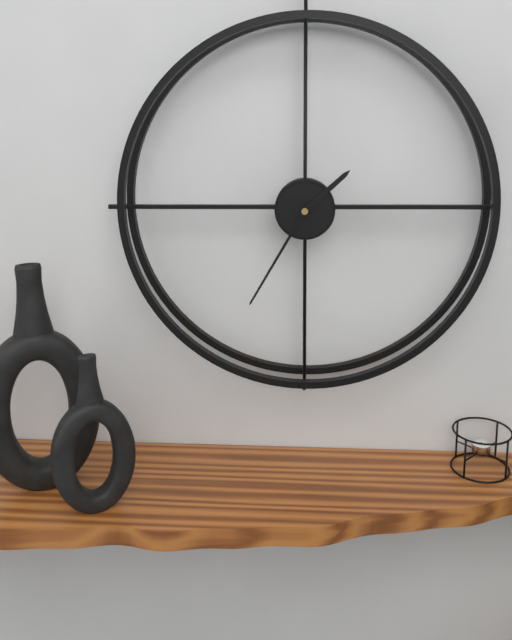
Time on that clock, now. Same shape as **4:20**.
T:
**1:35**
